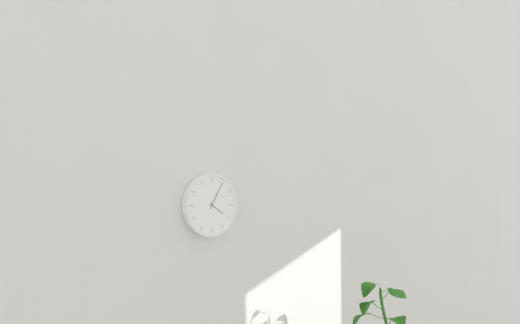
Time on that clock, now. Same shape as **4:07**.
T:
**4:05**
